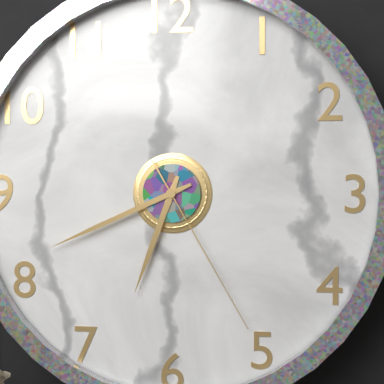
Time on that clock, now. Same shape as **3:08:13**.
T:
**6:41:25**
